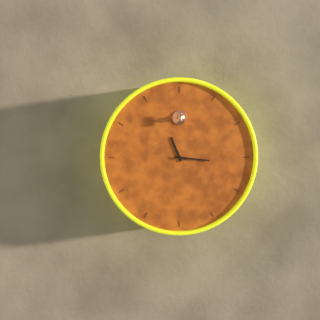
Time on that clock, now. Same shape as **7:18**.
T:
**11:16**
